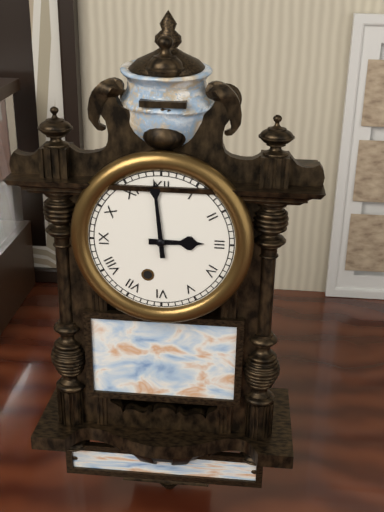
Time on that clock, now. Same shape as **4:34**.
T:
**2:59**
